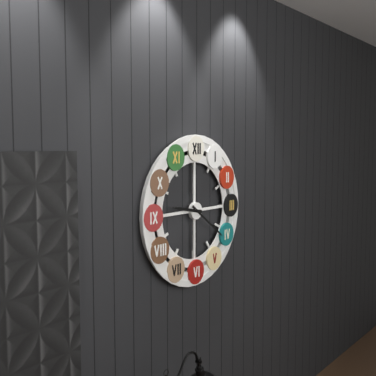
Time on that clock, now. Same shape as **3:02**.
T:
**9:21**
